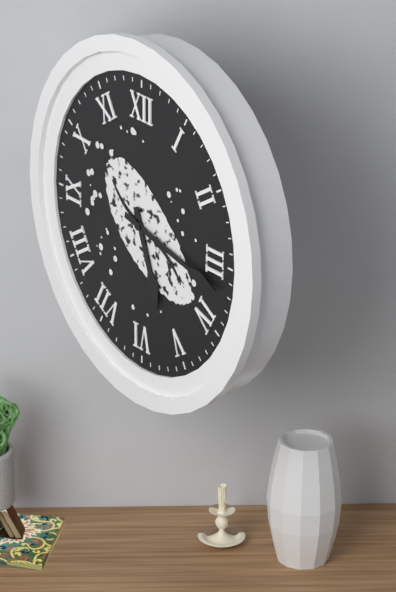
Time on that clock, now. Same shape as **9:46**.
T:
**5:17**
